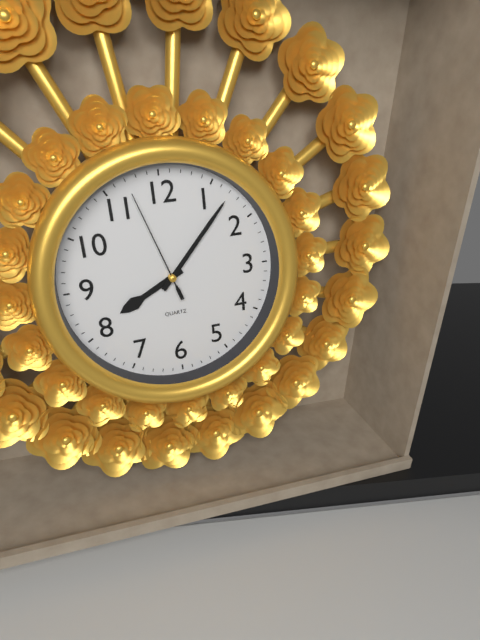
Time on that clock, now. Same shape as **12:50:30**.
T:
**8:07:57**
